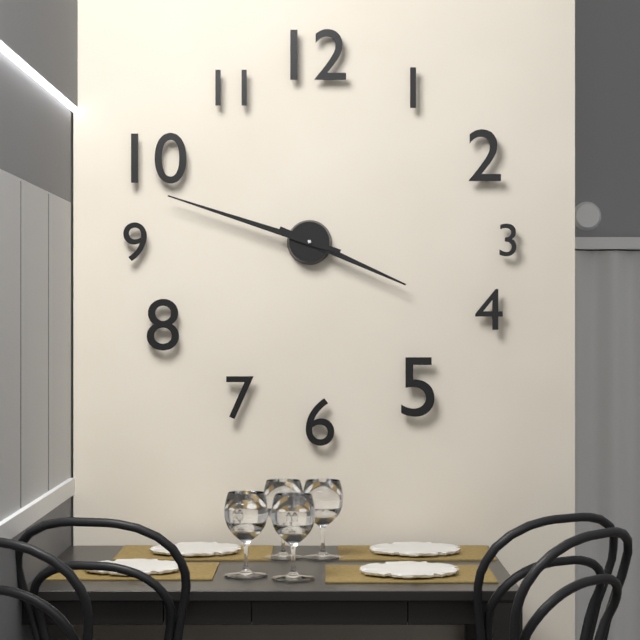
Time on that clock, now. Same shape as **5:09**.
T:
**3:48**
